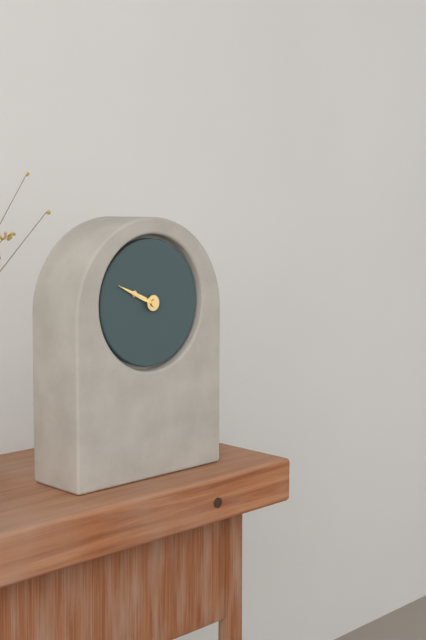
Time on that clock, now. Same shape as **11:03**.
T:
**9:49**
